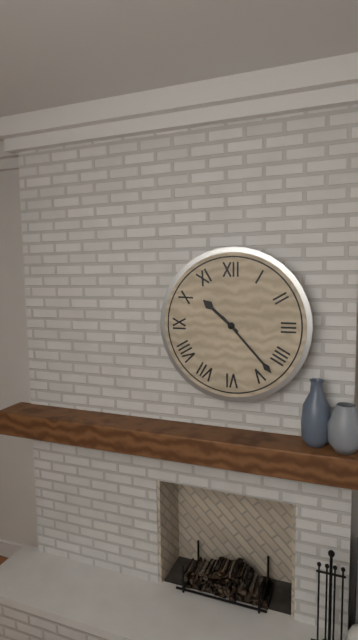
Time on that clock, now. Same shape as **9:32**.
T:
**10:23**
